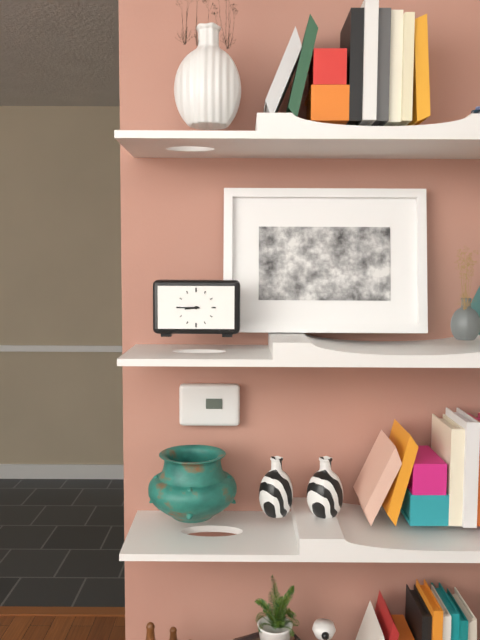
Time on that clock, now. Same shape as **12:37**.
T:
**8:45**
